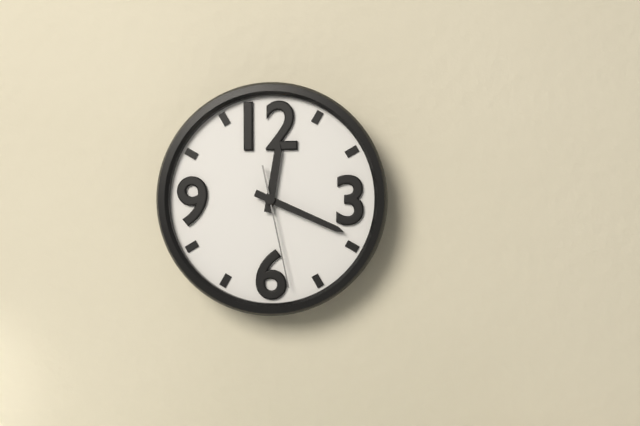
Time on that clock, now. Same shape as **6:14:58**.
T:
**12:19:28**
